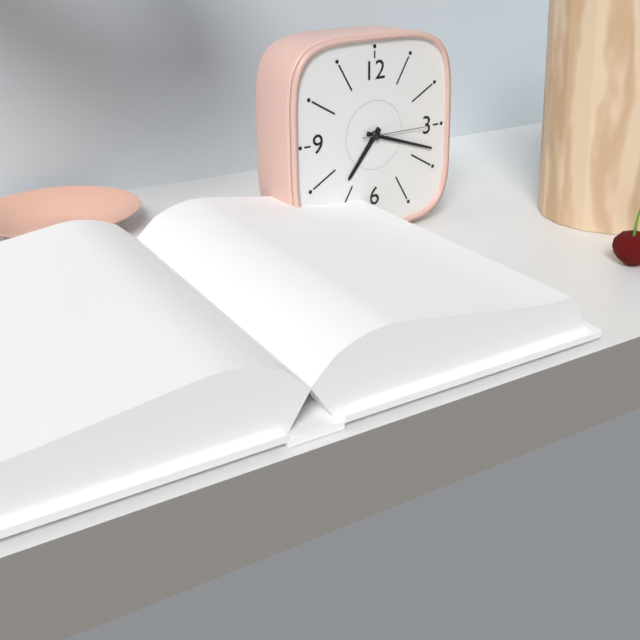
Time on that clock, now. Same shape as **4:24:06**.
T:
**7:18:15**
